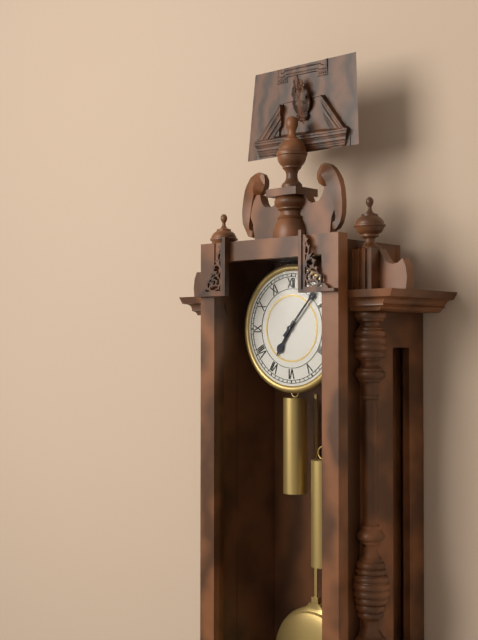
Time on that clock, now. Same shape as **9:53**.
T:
**7:07**
